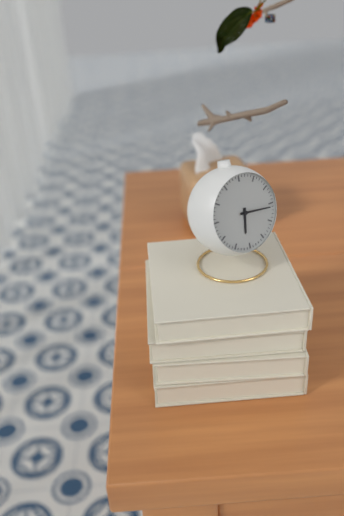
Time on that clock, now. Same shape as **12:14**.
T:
**6:16**
